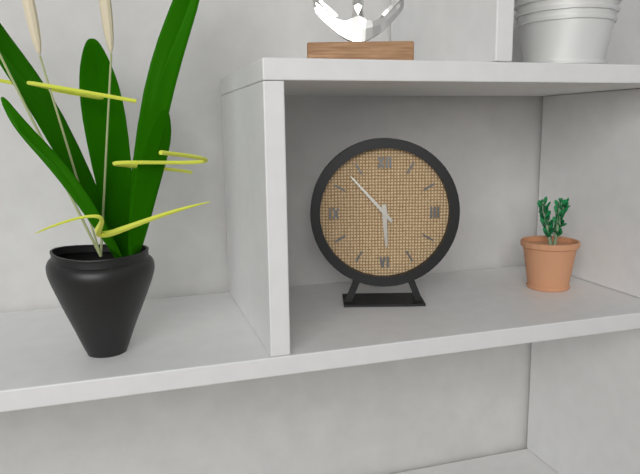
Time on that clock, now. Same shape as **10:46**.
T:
**5:53**
